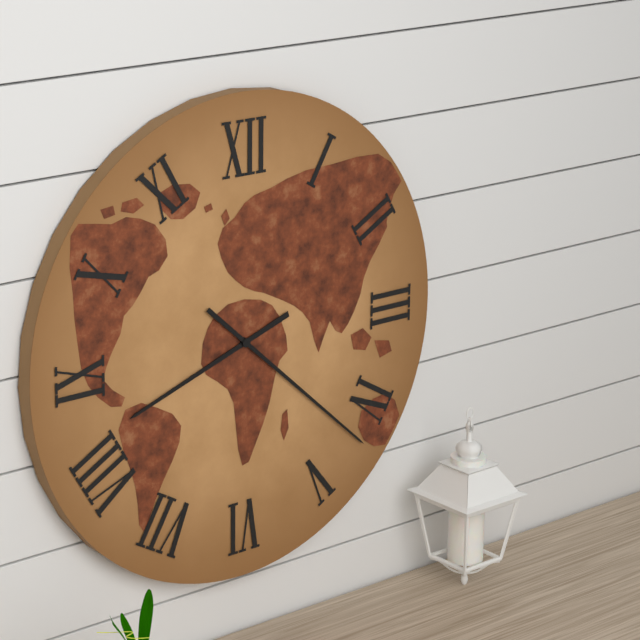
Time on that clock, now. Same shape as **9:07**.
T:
**8:22**
